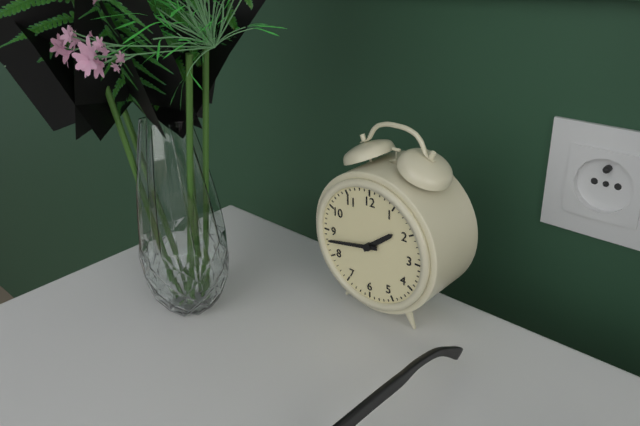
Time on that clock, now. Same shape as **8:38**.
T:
**1:43**
